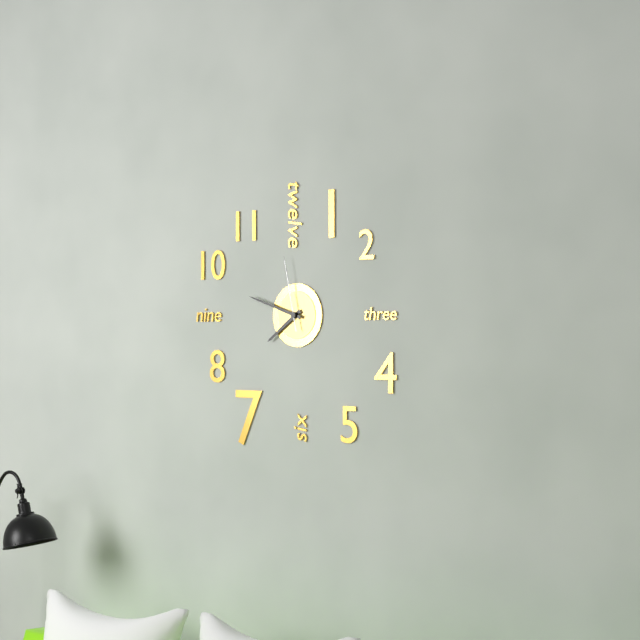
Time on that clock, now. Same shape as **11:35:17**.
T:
**7:48:58**
